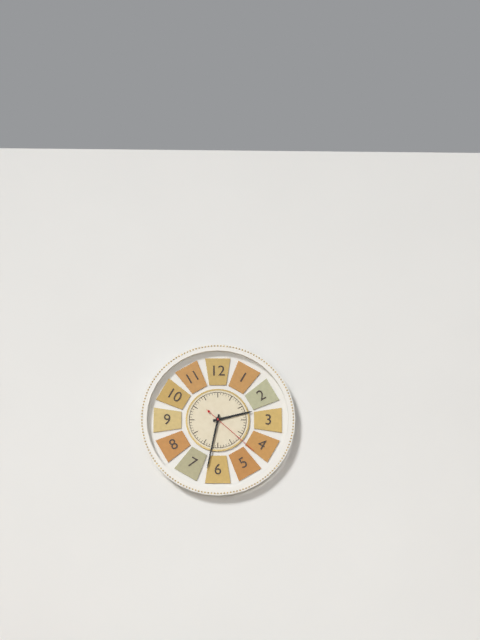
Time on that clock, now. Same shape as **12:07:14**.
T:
**2:32:22**
